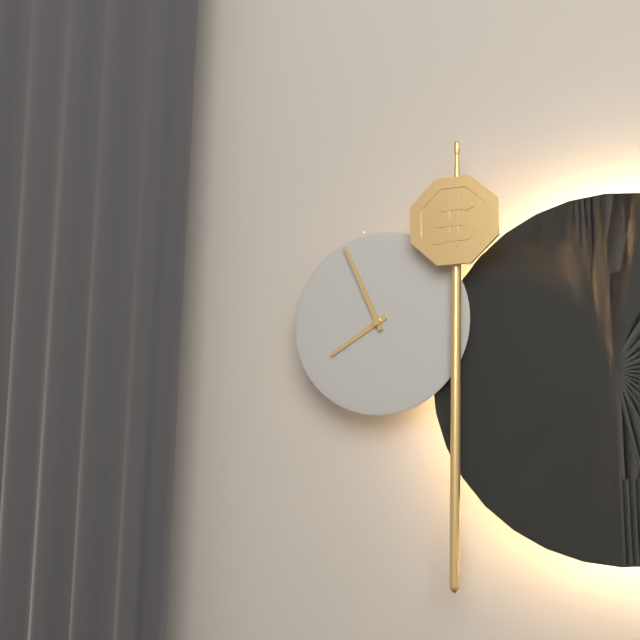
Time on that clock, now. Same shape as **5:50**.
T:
**7:56**
